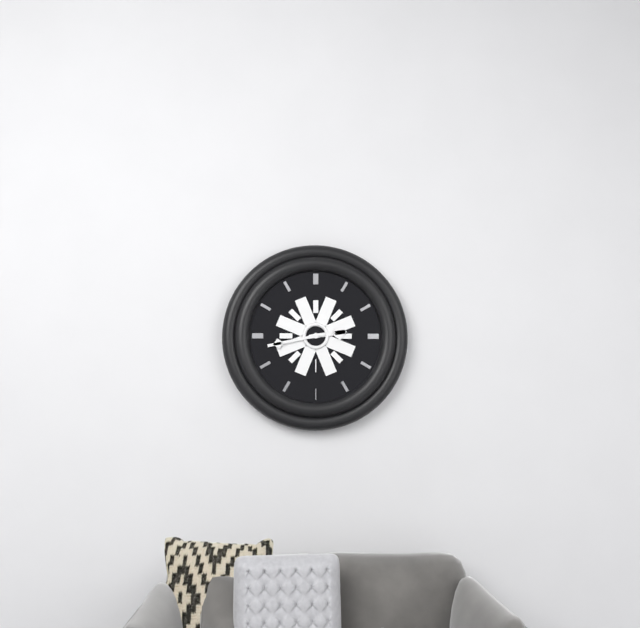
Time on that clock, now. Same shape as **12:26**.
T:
**2:43**
